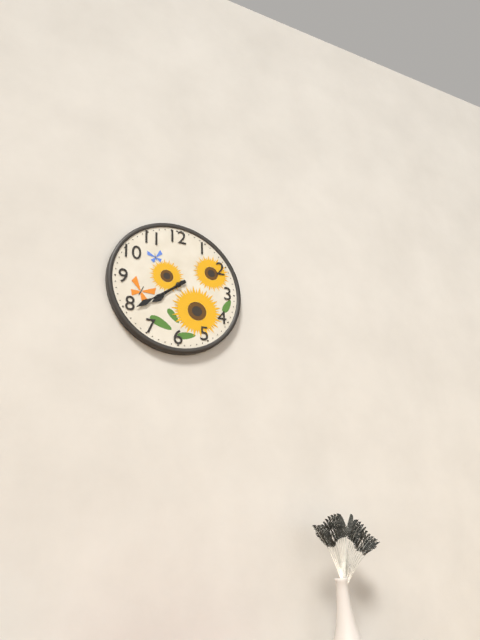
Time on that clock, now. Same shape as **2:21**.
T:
**7:39**
